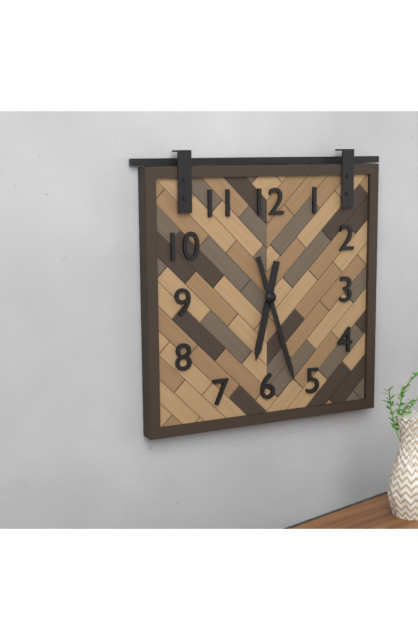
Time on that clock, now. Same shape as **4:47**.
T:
**6:27**
